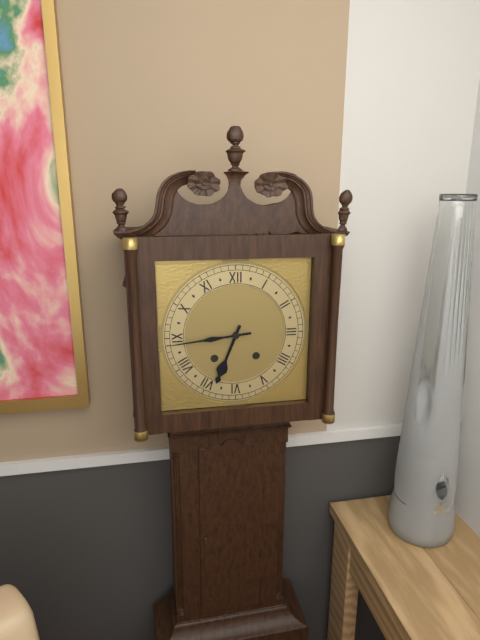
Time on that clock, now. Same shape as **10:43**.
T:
**6:44**
